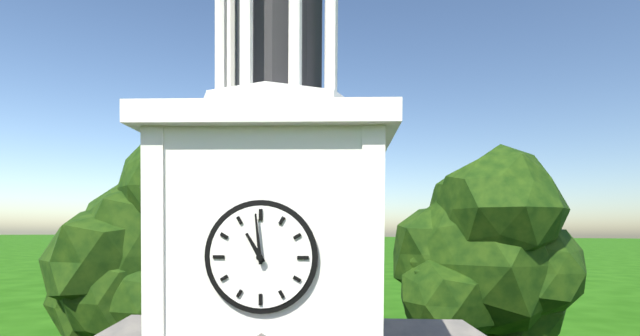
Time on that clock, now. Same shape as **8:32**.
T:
**10:59**
